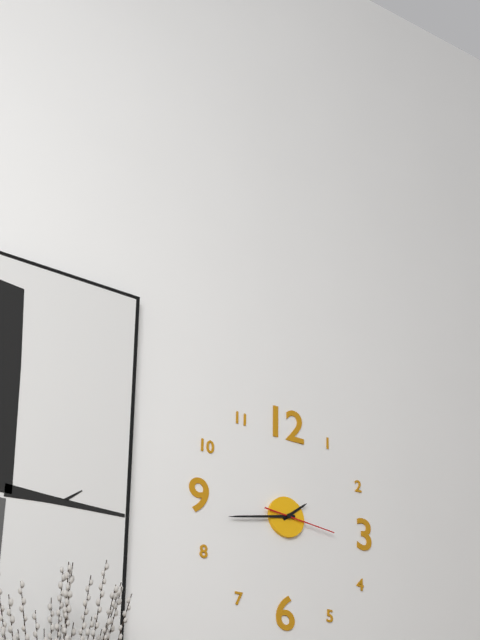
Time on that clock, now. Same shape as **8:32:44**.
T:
**1:43:16**
